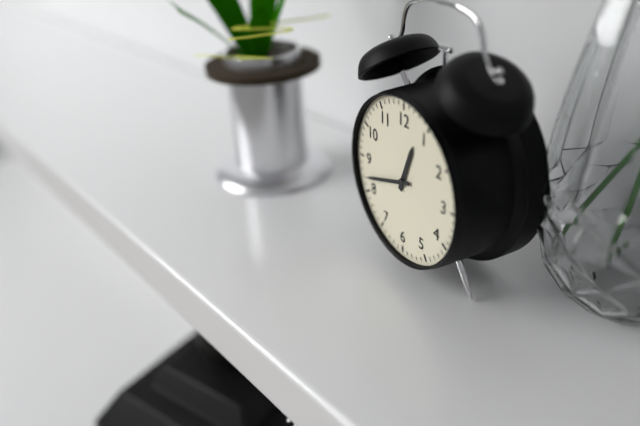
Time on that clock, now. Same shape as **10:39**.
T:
**12:42**
